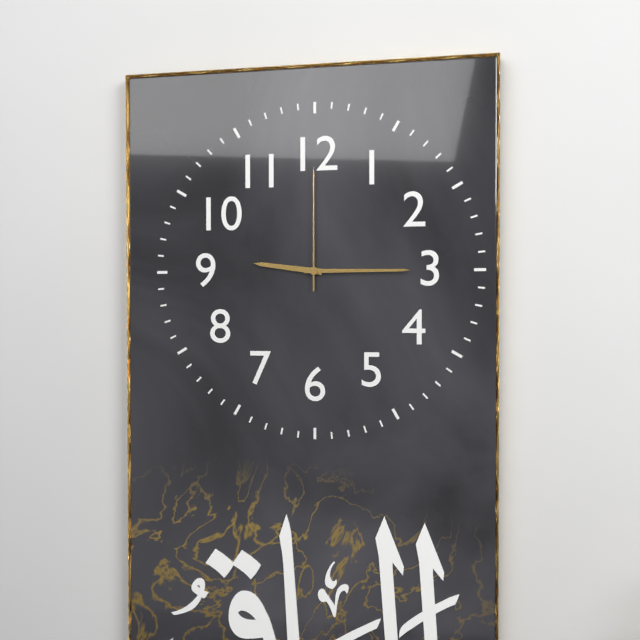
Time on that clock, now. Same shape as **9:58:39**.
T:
**9:15:00**
